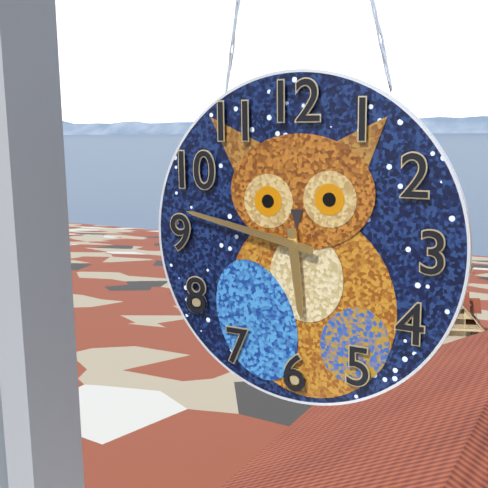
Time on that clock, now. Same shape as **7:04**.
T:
**5:47**
